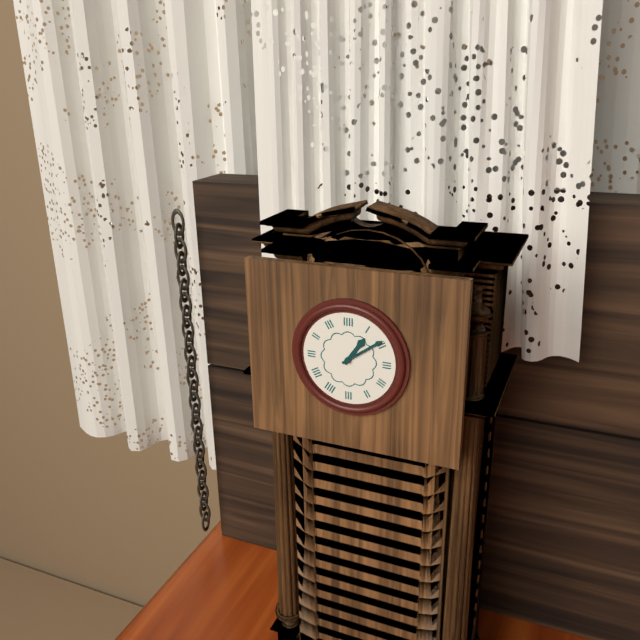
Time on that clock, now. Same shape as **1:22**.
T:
**1:09**
